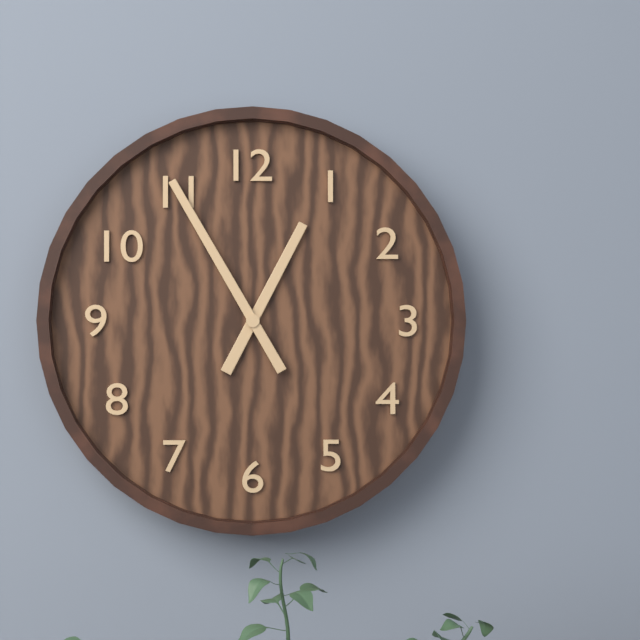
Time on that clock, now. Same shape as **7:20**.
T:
**12:55**
